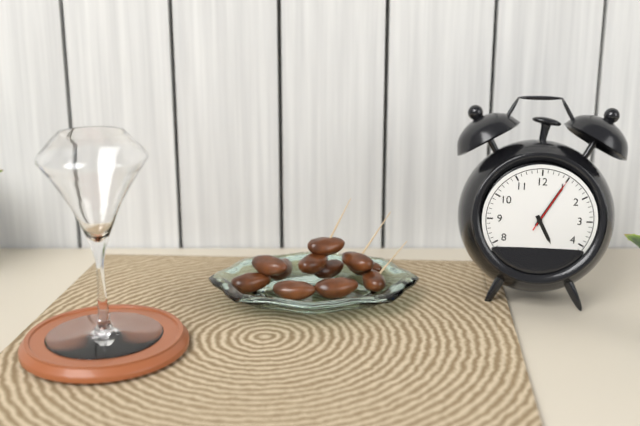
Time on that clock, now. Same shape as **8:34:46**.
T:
**5:05:05**
